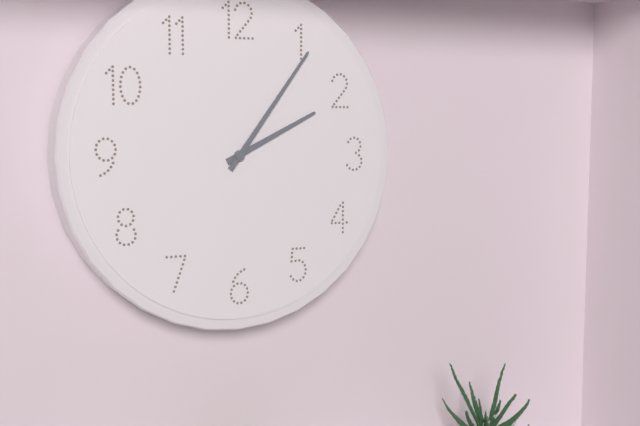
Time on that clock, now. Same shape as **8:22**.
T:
**2:06**
